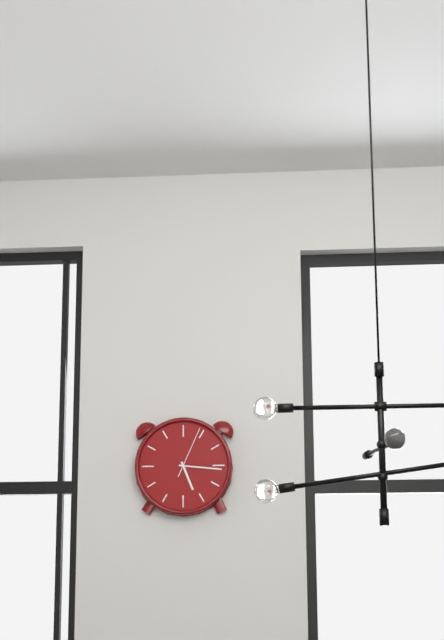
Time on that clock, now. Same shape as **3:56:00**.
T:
**5:16:04**
